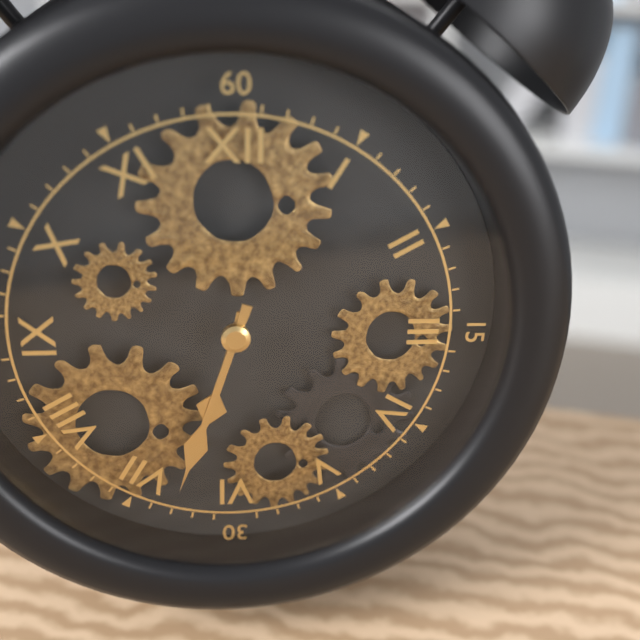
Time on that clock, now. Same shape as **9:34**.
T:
**6:33**
